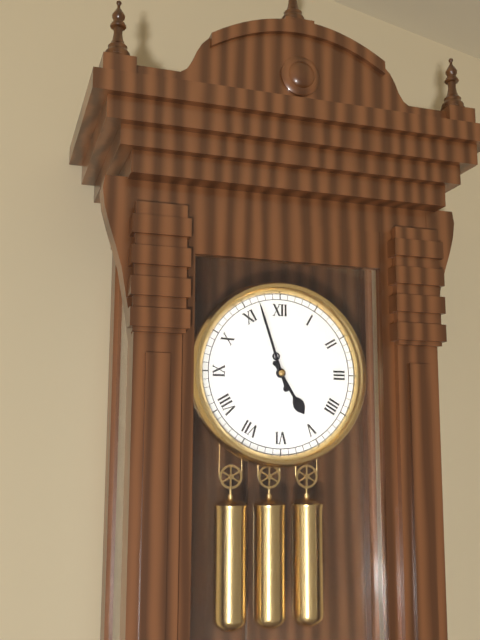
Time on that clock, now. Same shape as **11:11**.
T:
**4:57**
